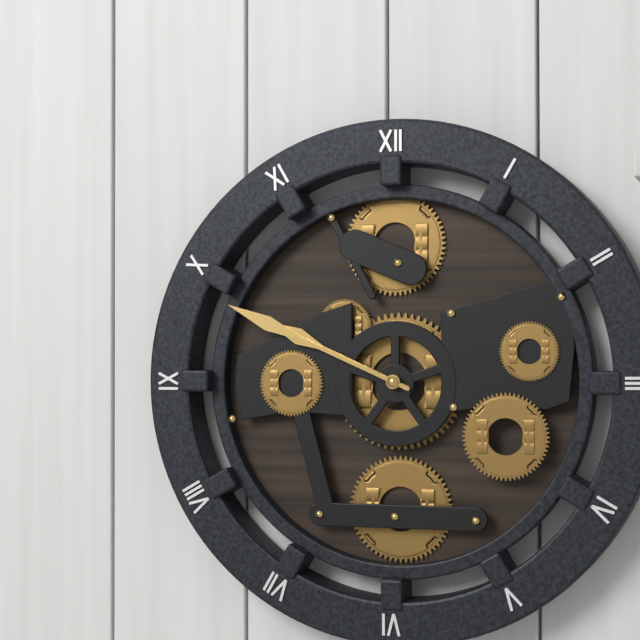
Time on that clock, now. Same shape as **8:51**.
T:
**9:49**
